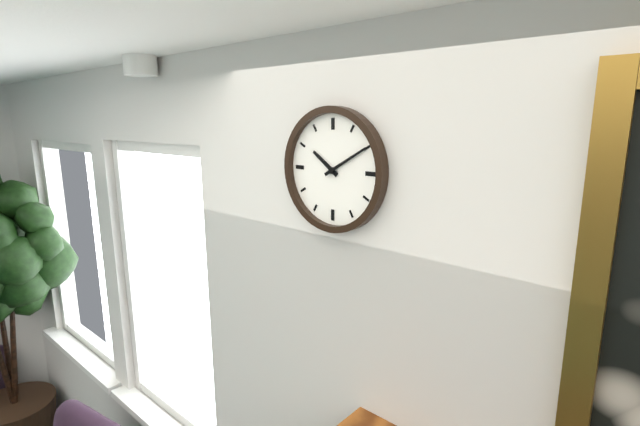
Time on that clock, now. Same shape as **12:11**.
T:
**10:10**
